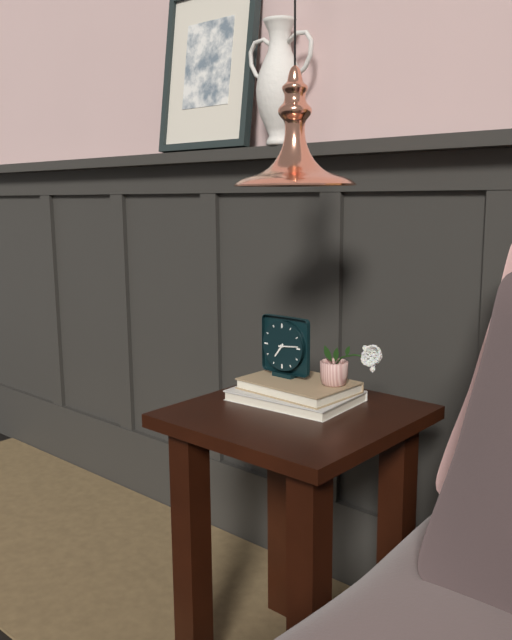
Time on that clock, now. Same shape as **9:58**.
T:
**7:14**
